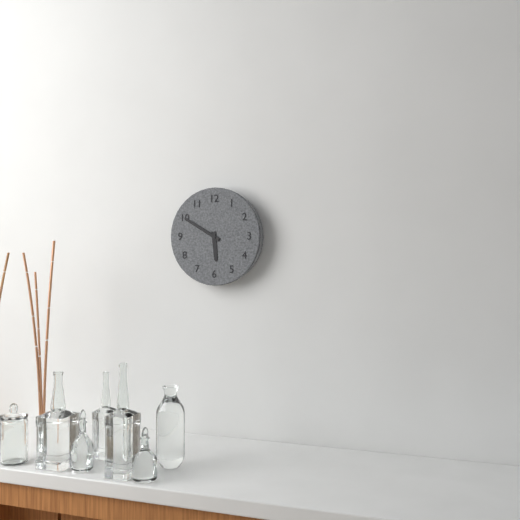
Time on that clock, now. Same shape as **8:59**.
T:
**5:50**
